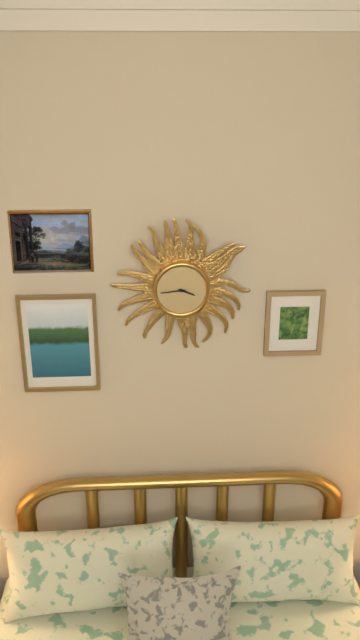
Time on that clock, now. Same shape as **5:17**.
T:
**3:44**
